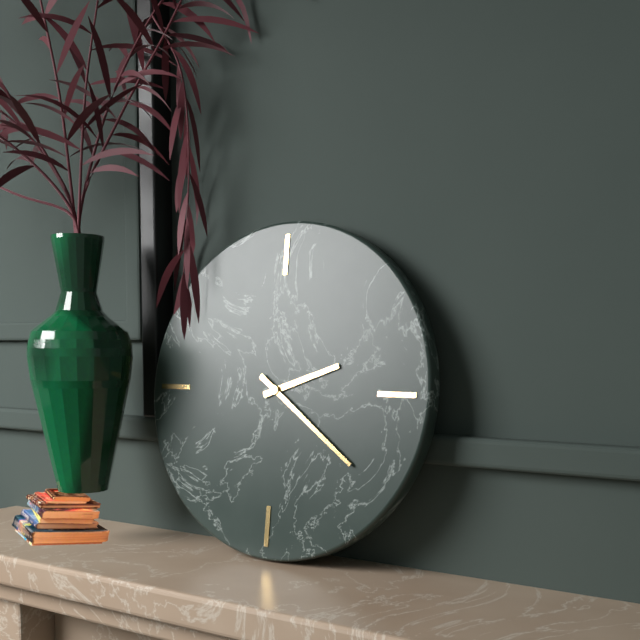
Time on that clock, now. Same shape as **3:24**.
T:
**2:21**
